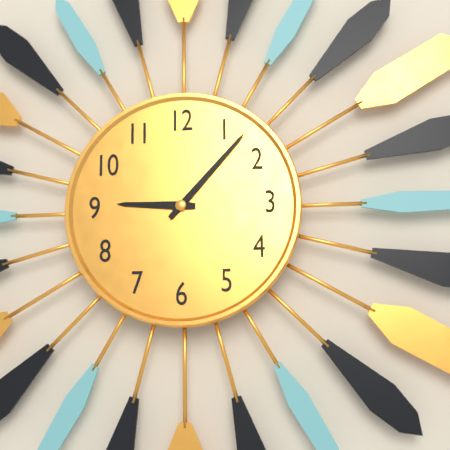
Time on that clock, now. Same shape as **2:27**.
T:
**9:07**
